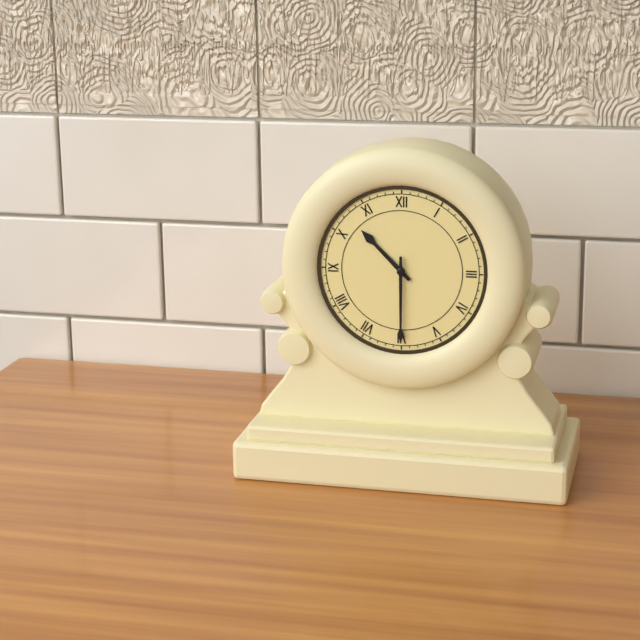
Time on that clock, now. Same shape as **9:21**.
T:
**10:30**
